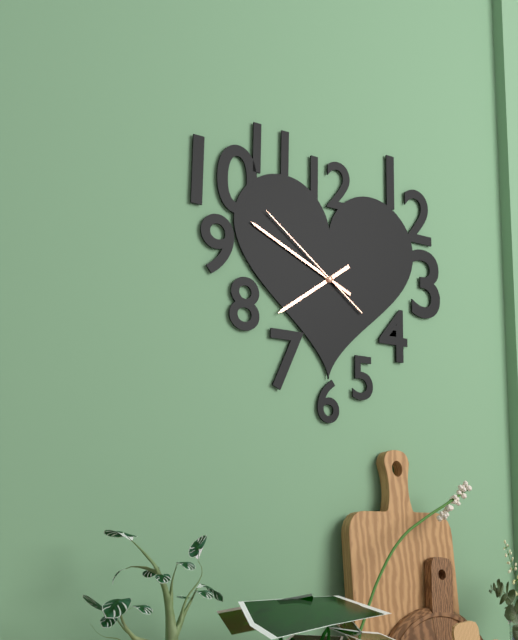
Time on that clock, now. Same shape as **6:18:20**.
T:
**7:49:51**
